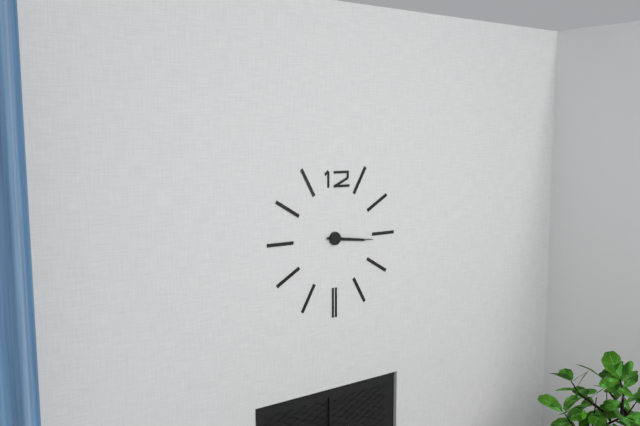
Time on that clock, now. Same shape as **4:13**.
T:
**3:16**
